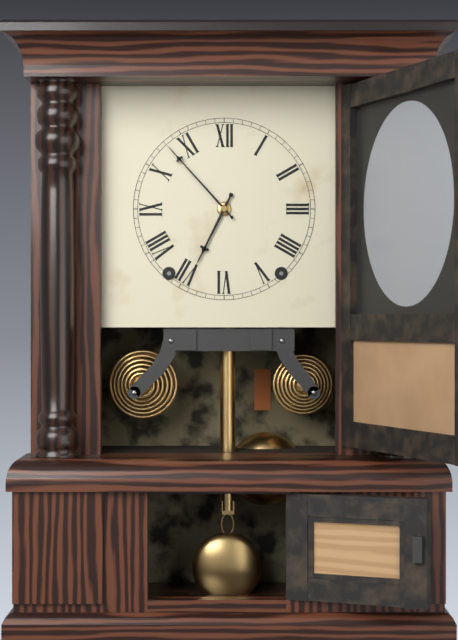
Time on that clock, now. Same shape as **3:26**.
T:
**6:53**
